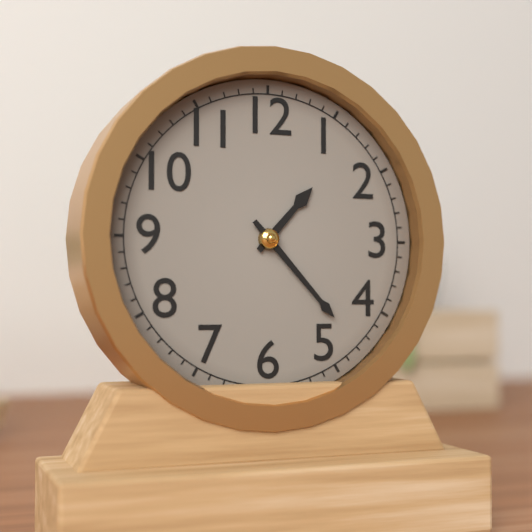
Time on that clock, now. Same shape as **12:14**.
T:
**1:23**
